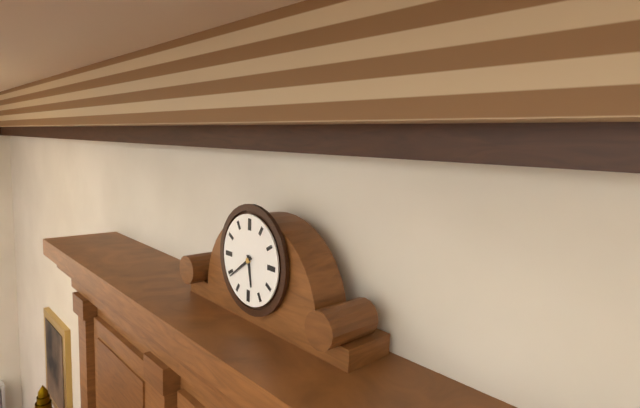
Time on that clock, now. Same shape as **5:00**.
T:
**5:39**
